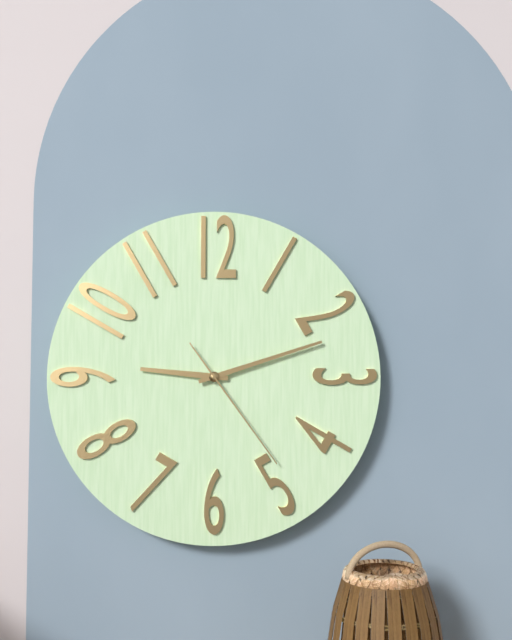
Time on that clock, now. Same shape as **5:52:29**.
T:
**9:12:24**
